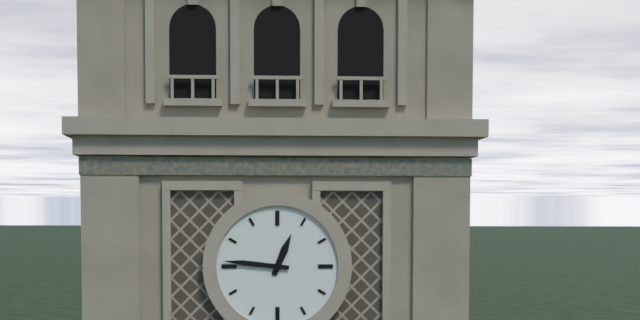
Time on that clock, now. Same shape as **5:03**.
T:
**12:46**
